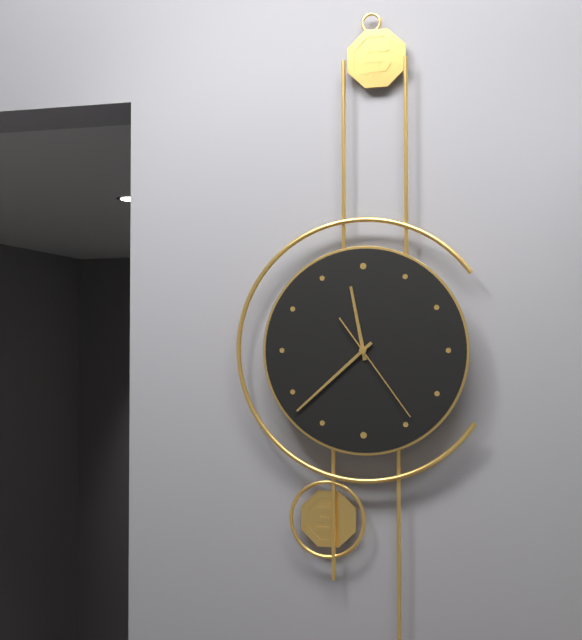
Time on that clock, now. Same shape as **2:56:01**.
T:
**11:38:24**
